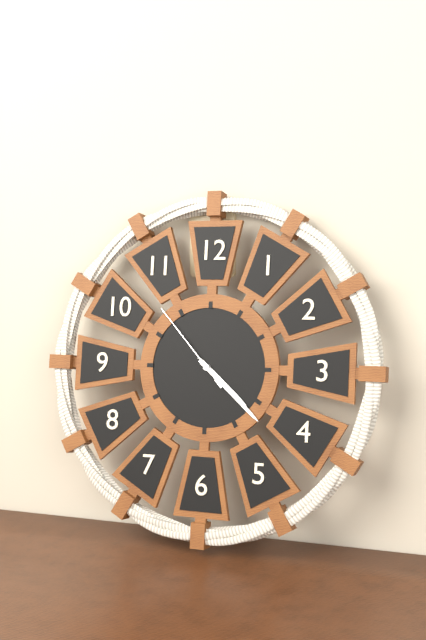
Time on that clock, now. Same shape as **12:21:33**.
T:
**4:22:53**
